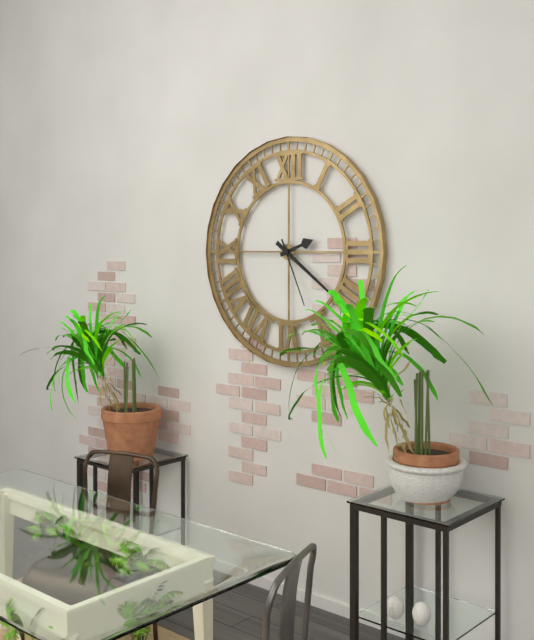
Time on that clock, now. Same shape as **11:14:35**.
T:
**2:21:26**
